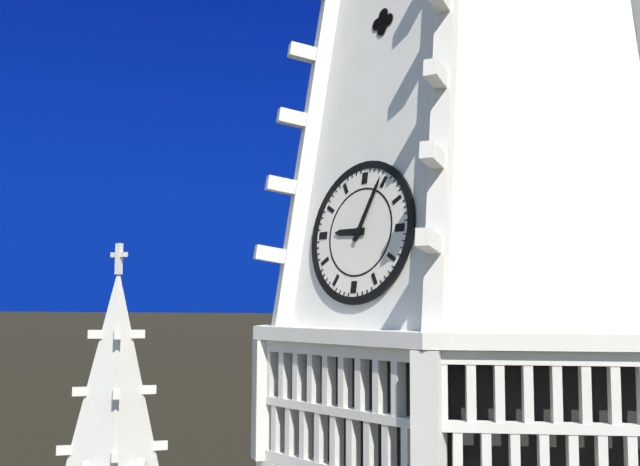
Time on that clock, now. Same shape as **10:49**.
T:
**9:04**
